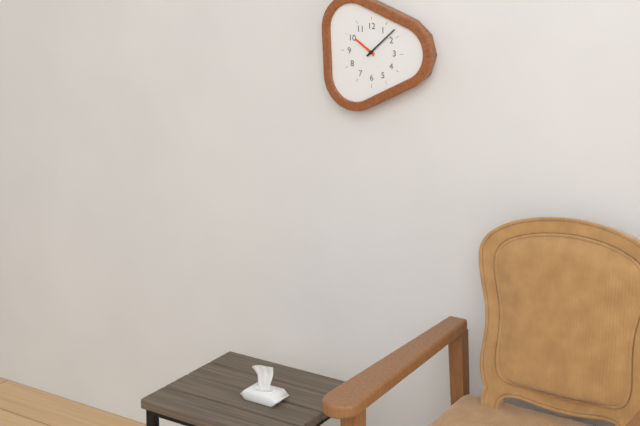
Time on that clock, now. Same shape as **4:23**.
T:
**10:08**
